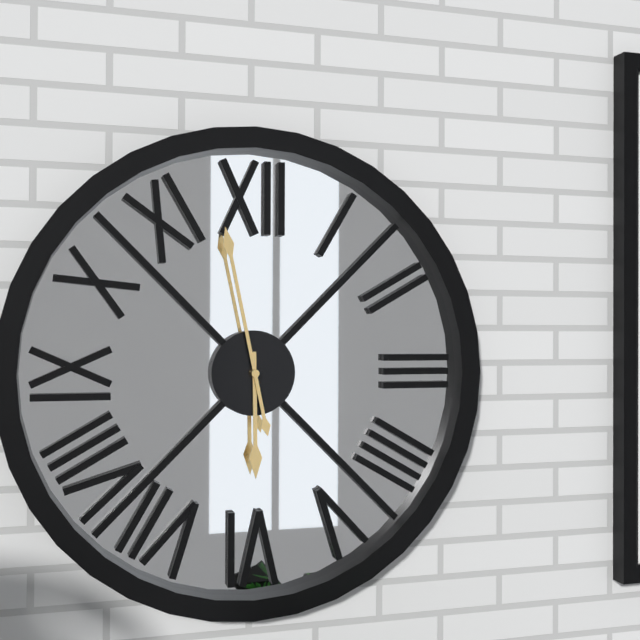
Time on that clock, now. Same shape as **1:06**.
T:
**5:58**
